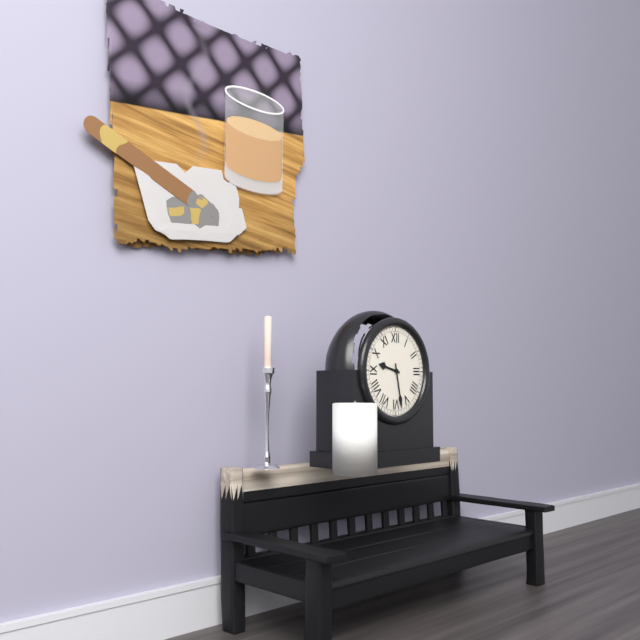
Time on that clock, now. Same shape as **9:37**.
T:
**9:28**
